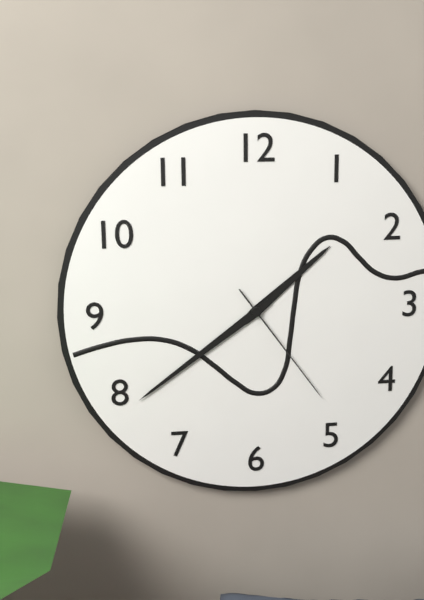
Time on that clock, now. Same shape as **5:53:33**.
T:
**1:39:24**
